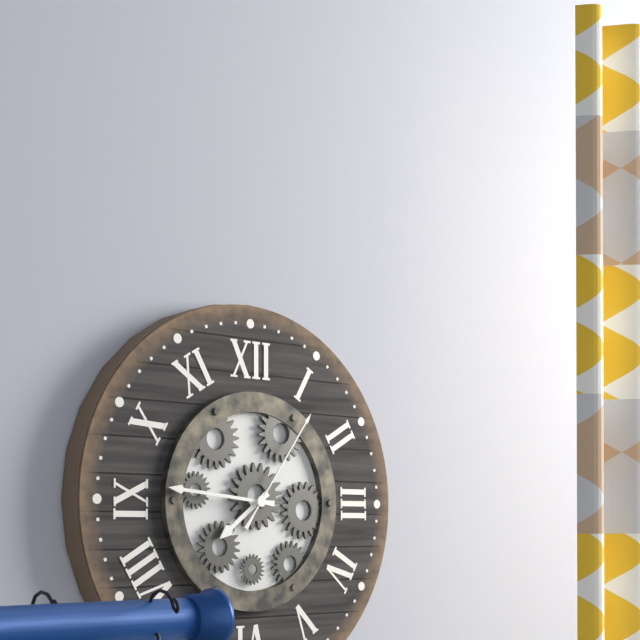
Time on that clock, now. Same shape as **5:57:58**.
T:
**7:46:06**
